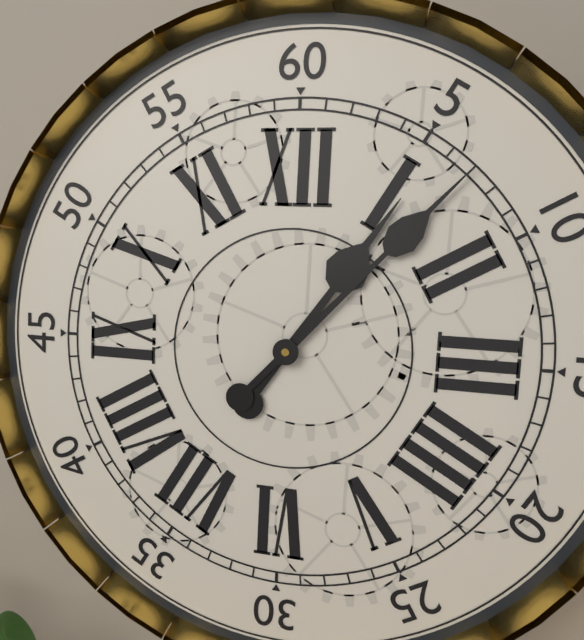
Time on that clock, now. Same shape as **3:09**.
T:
**1:07**
